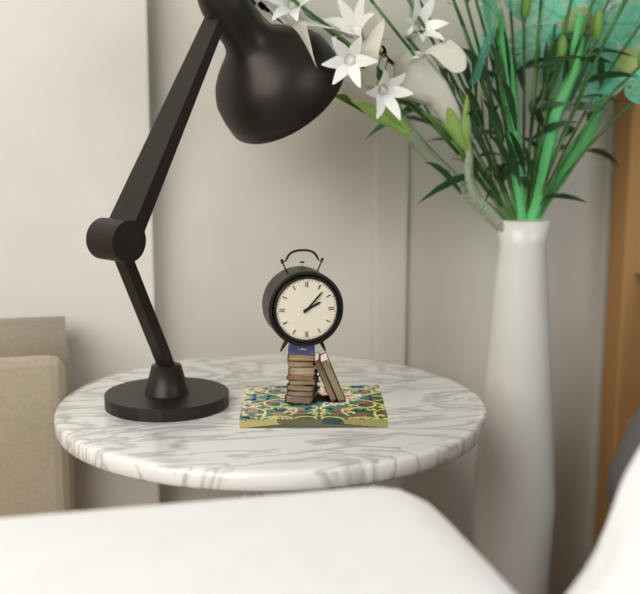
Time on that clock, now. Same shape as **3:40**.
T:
**2:07**
